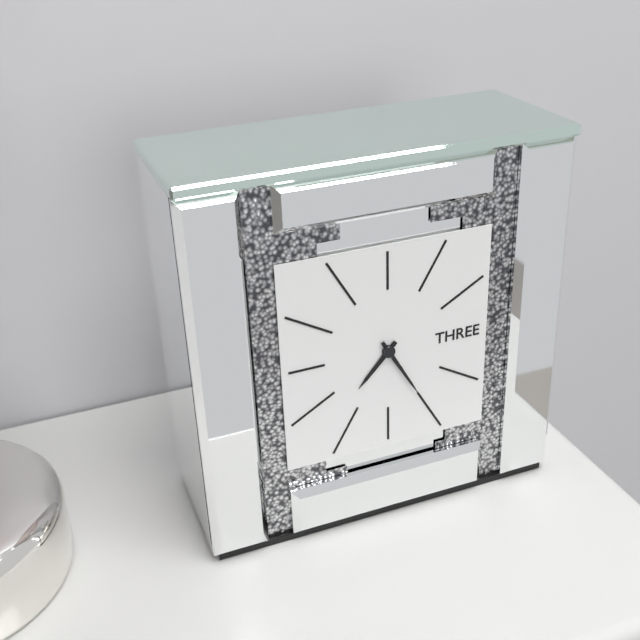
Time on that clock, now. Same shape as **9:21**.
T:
**7:25**
